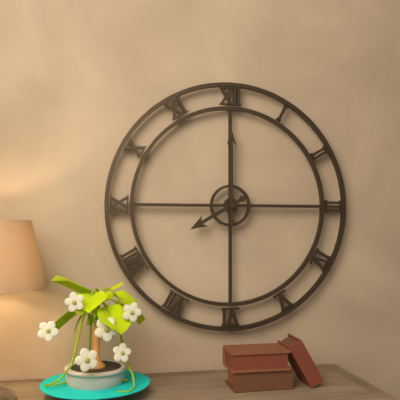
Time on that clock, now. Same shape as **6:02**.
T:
**8:00**
